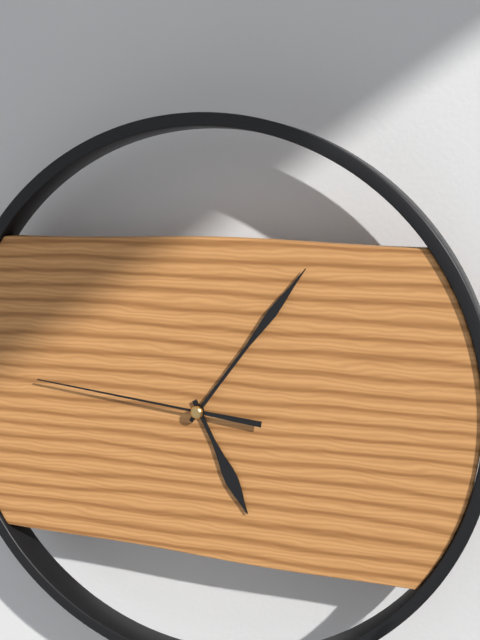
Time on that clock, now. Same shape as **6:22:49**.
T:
**5:06:46**
